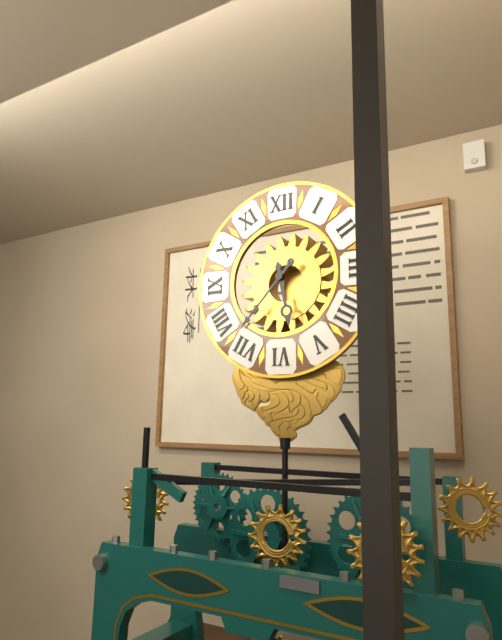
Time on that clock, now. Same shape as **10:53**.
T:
**5:37**
